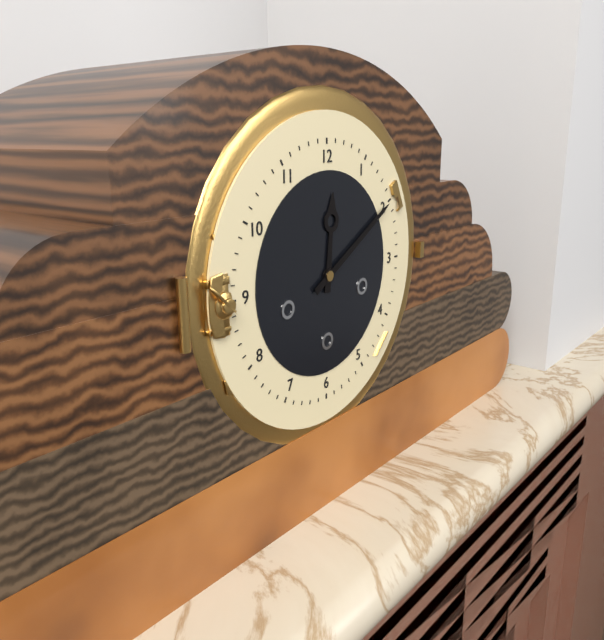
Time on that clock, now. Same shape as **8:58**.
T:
**12:10**
